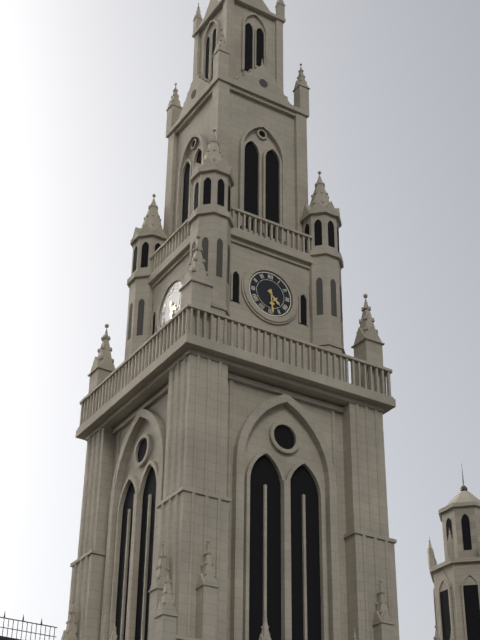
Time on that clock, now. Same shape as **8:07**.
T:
**4:29**
